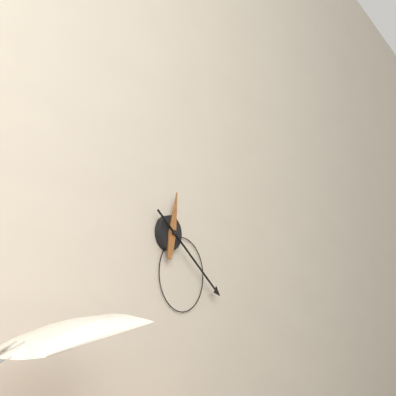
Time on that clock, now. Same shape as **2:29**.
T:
**12:21**
